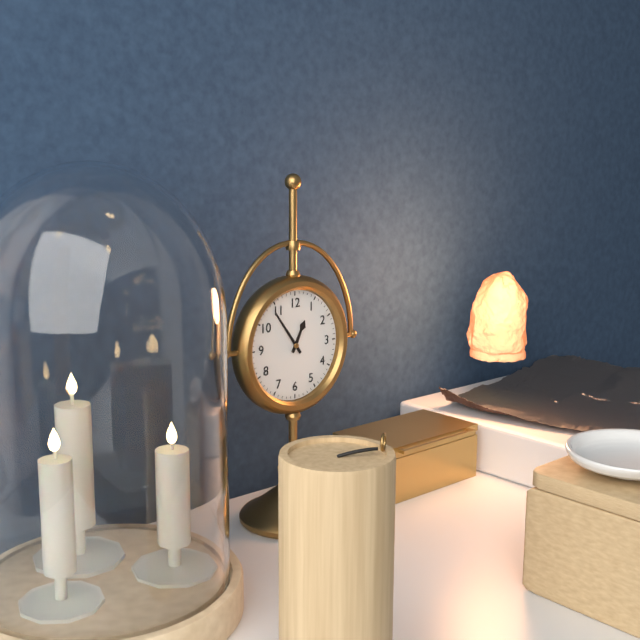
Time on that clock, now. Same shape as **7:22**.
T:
**12:54**
